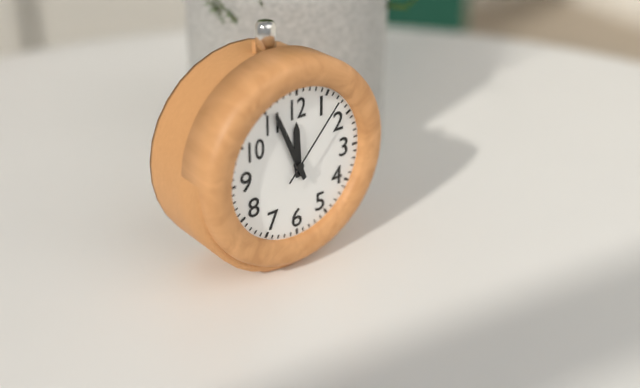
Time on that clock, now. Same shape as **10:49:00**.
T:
**11:56:07**
